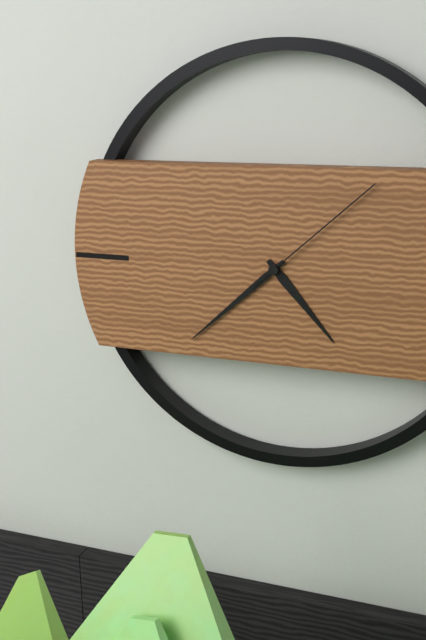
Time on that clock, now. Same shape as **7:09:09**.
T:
**4:38:08**
